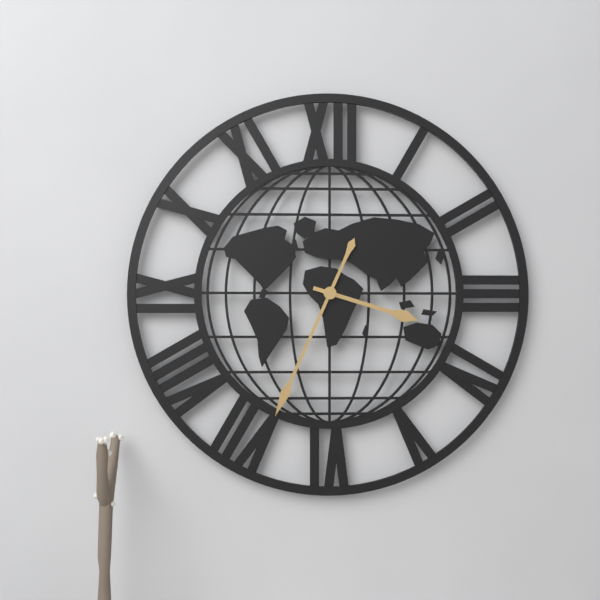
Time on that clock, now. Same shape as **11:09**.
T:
**3:34**
